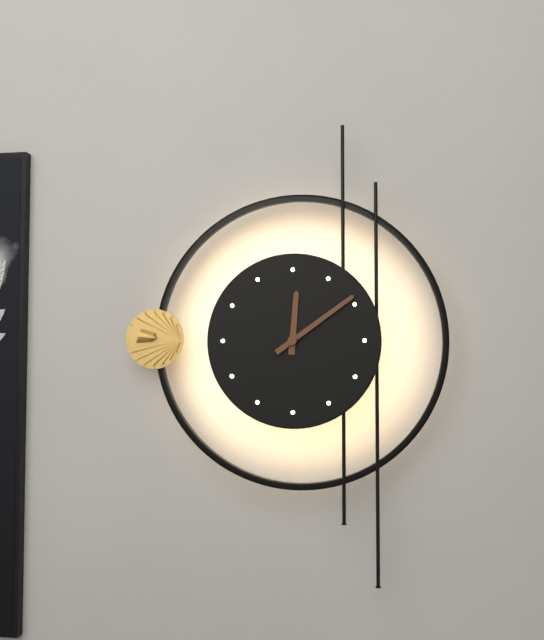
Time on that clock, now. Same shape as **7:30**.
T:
**12:09**
